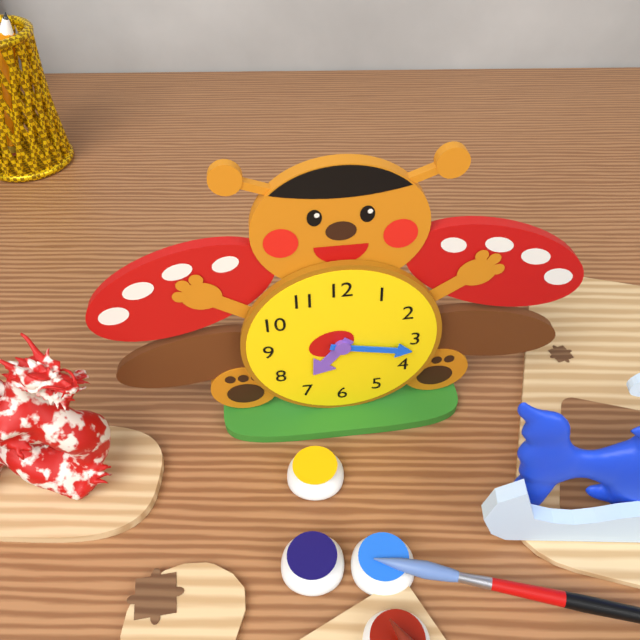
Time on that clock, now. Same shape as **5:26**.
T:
**7:17**
